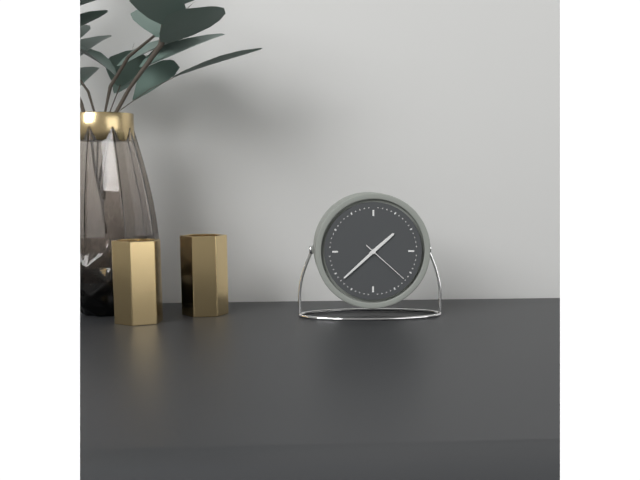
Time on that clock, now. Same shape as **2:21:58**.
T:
**1:38:22**
